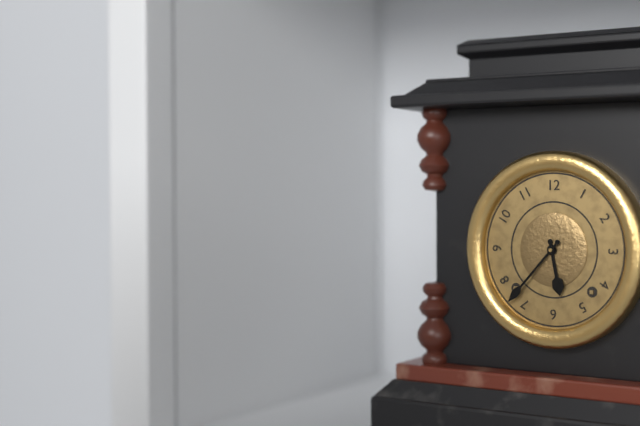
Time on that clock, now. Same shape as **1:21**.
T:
**5:37**
